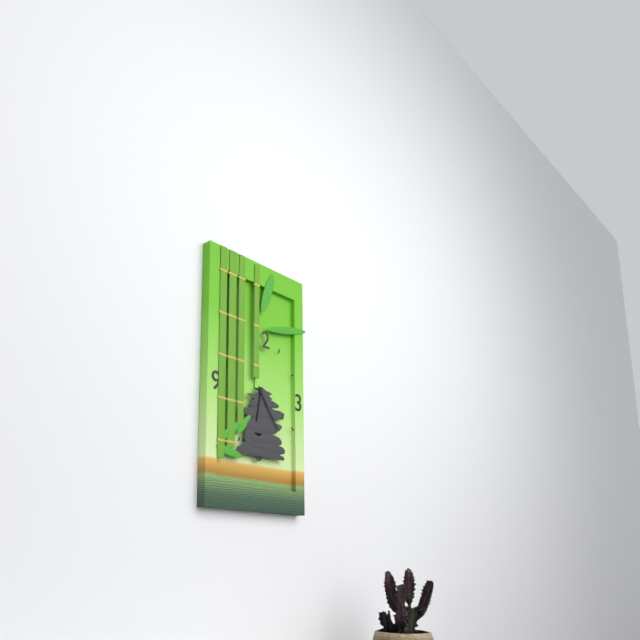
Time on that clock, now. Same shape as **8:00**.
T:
**6:24**
